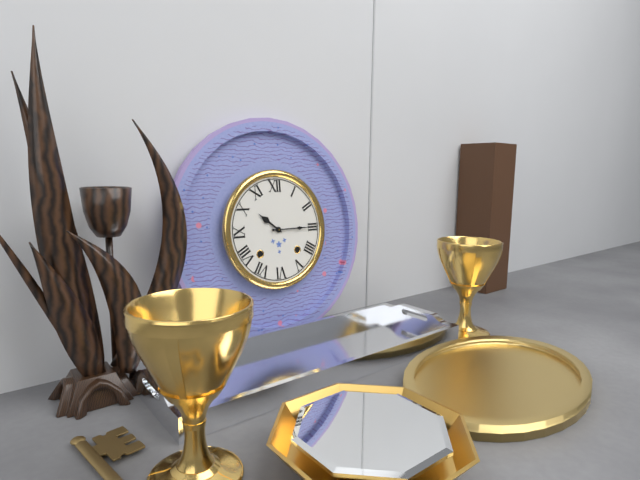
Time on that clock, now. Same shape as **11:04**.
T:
**10:15**
